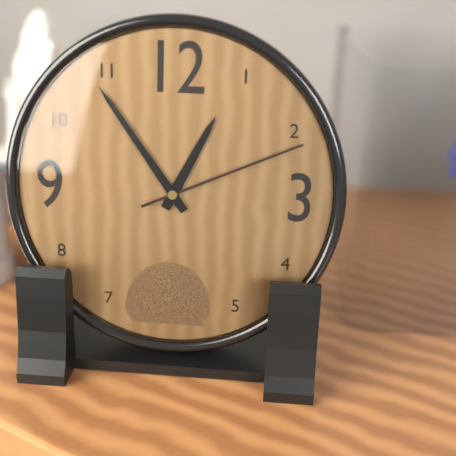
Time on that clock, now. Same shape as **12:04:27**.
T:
**12:54:11**
